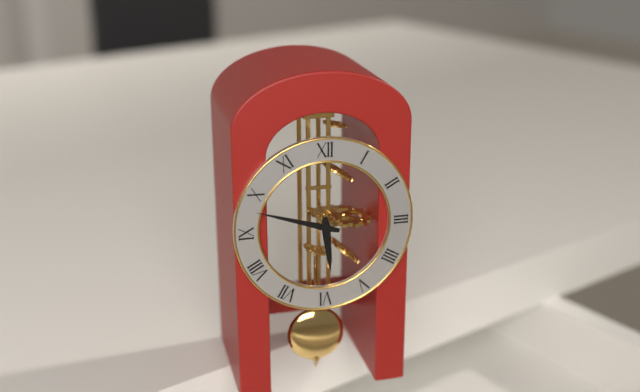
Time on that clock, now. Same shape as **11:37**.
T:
**5:48**
